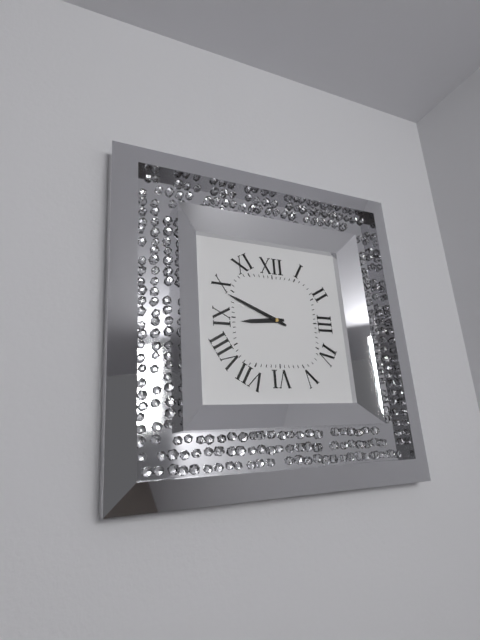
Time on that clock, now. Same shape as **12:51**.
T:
**8:49**
